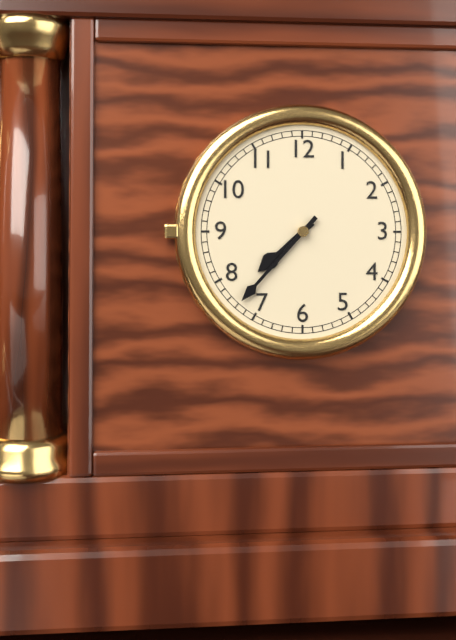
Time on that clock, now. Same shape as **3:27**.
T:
**7:37**
